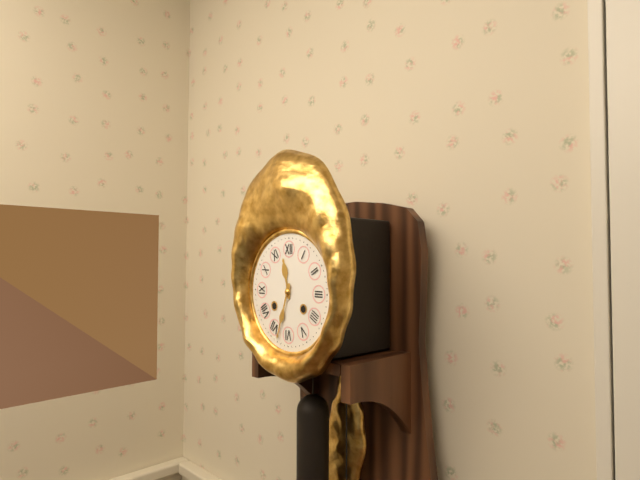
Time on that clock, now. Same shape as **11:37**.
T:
**11:33**
